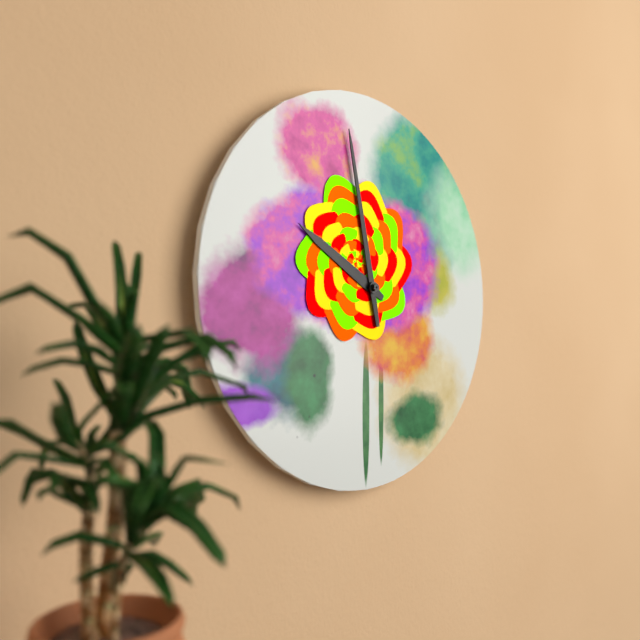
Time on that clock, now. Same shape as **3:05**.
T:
**9:58**
